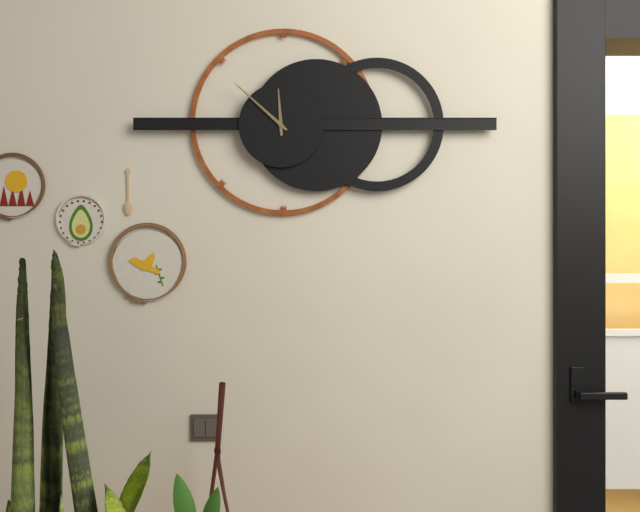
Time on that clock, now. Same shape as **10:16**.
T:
**11:52**
